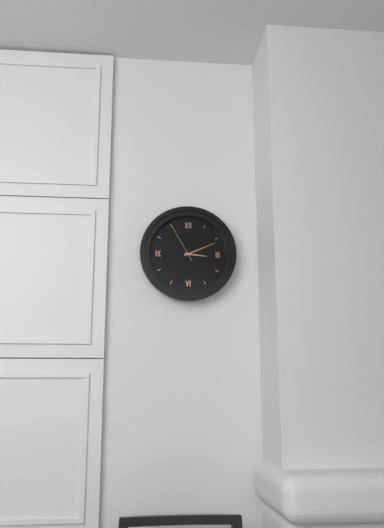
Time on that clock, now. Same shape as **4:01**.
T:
**3:11**
